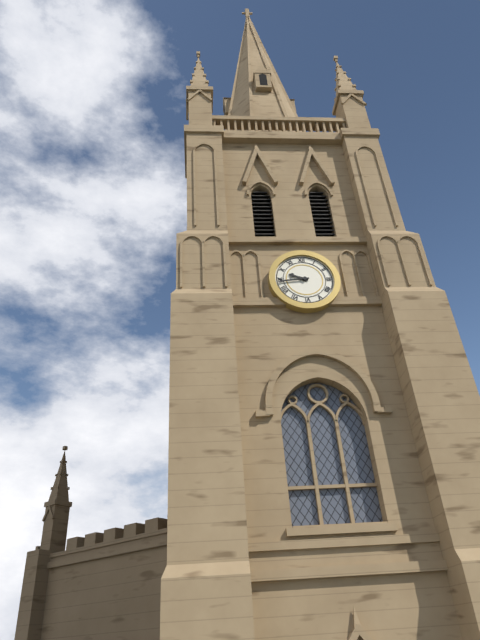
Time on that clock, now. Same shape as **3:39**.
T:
**9:44**
